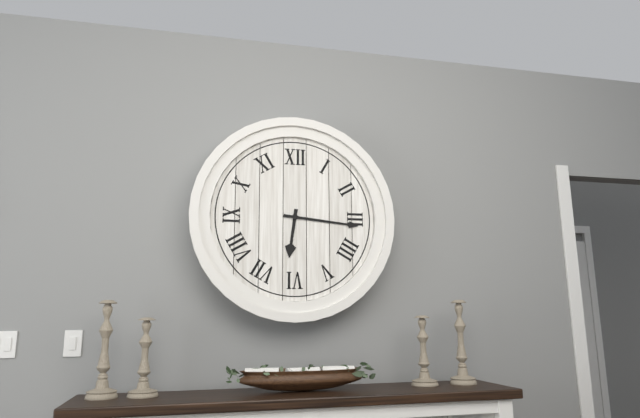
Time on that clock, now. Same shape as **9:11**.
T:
**6:16**
